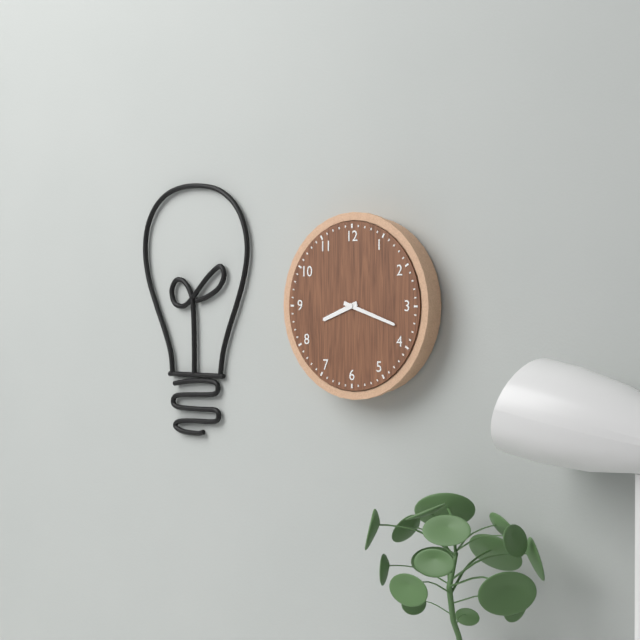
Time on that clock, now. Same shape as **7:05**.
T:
**8:18**
